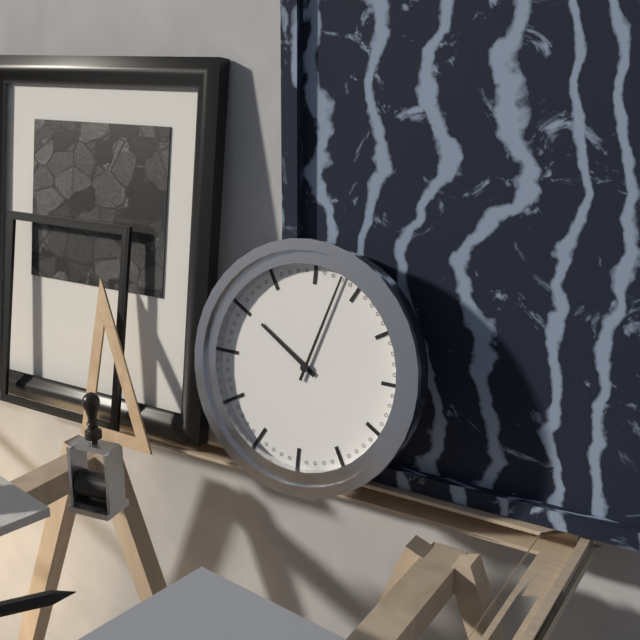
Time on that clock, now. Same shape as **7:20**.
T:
**10:03**
